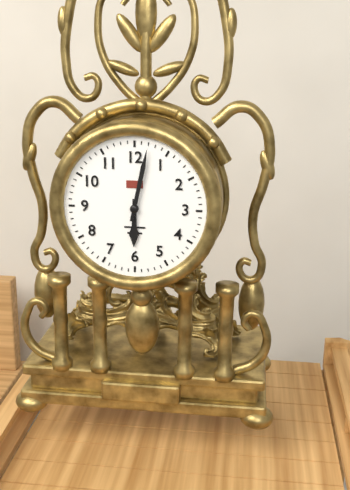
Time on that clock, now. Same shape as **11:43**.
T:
**6:02**
